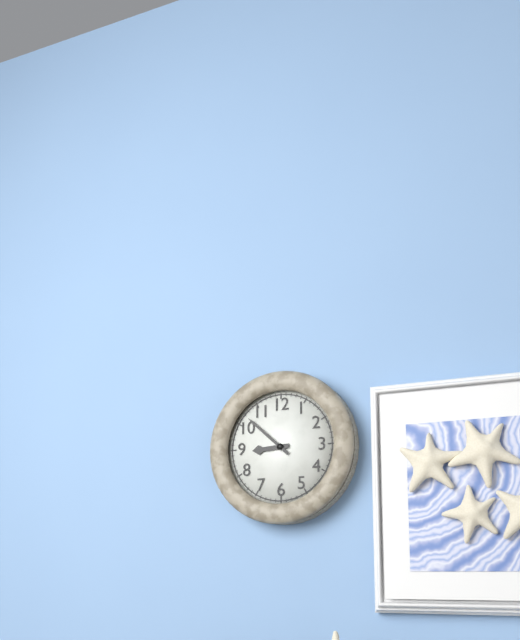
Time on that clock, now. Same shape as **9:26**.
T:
**8:52**
